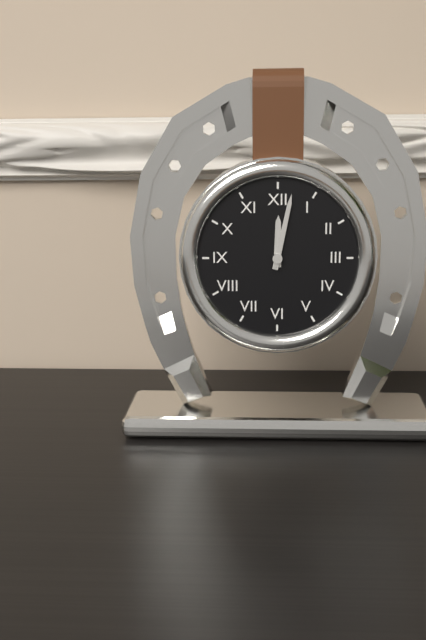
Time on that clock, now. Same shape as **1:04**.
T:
**12:02**
